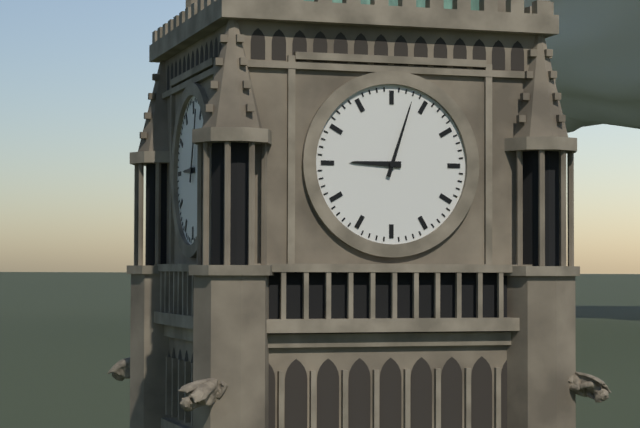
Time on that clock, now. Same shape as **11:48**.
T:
**9:03**
